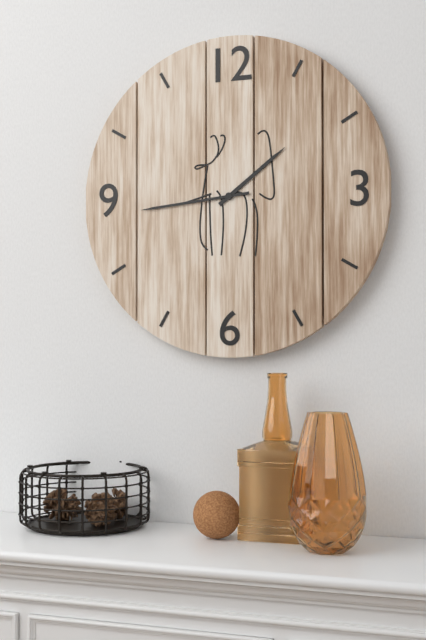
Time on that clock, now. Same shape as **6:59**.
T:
**1:44**
